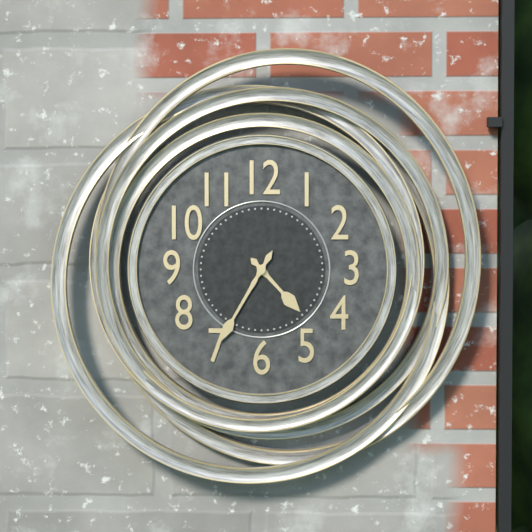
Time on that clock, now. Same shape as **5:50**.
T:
**4:35**
